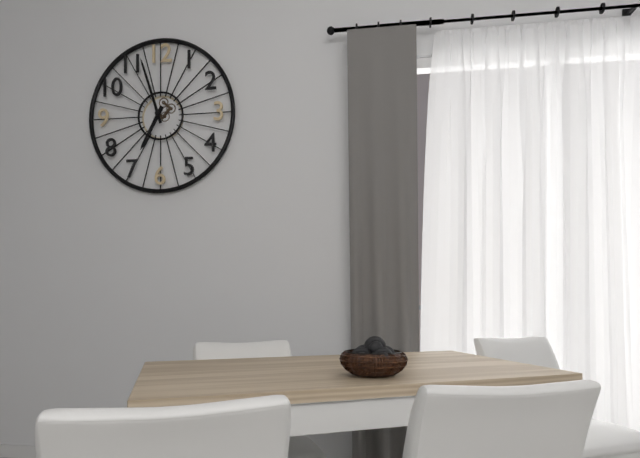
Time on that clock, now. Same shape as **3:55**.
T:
**6:57**
